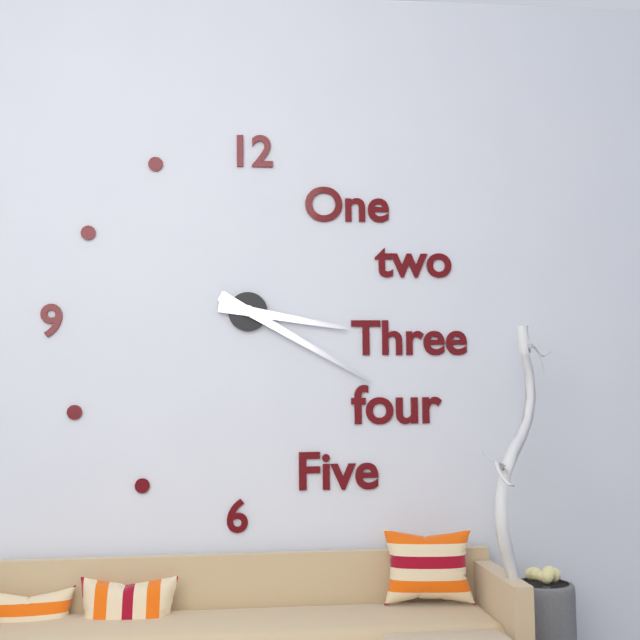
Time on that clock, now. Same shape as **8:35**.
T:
**3:20**
